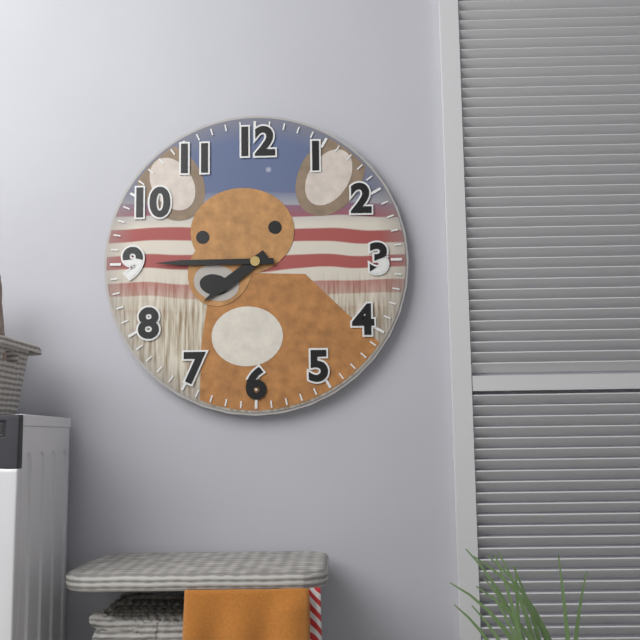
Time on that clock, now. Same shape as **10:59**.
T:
**7:45**
